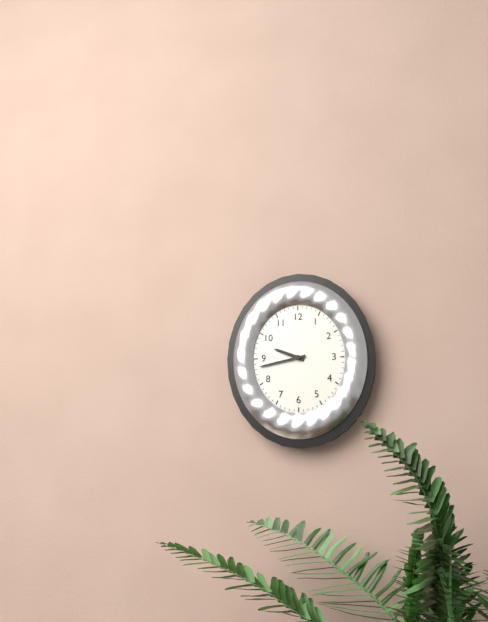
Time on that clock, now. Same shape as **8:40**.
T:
**9:43**
